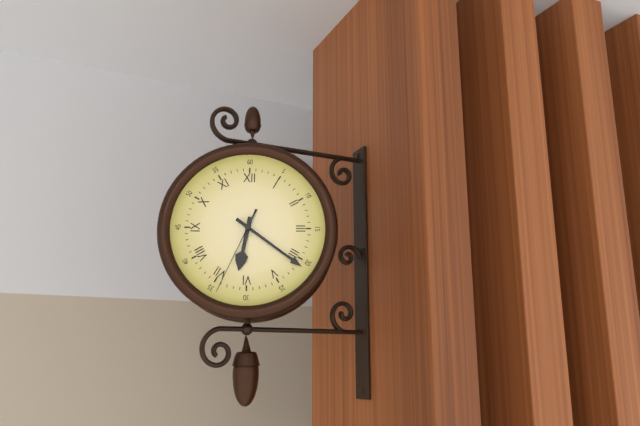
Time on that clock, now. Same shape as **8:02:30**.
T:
**6:21:34**
